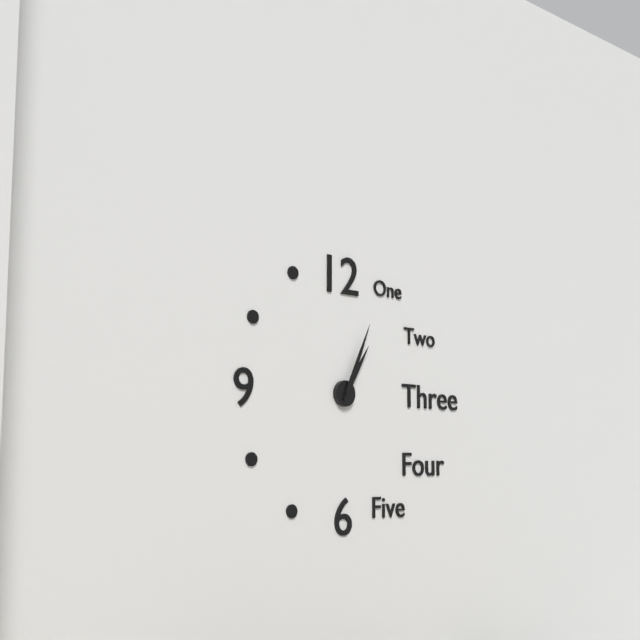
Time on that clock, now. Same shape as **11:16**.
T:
**1:04**
